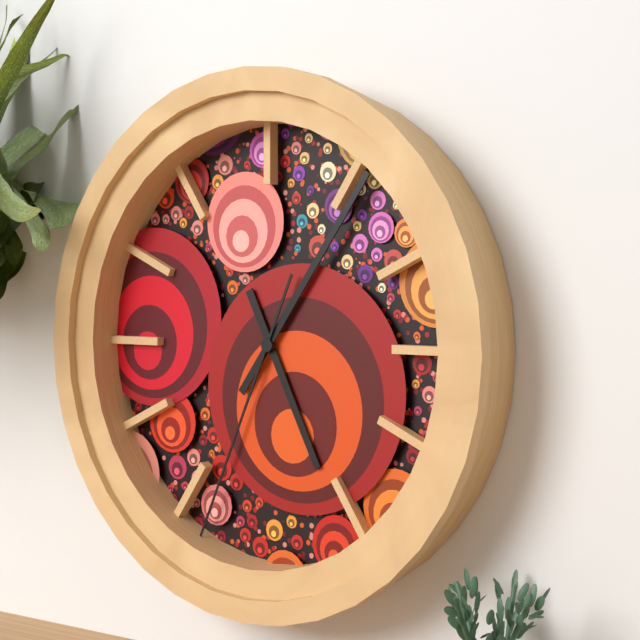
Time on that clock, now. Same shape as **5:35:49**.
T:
**5:06:34**
